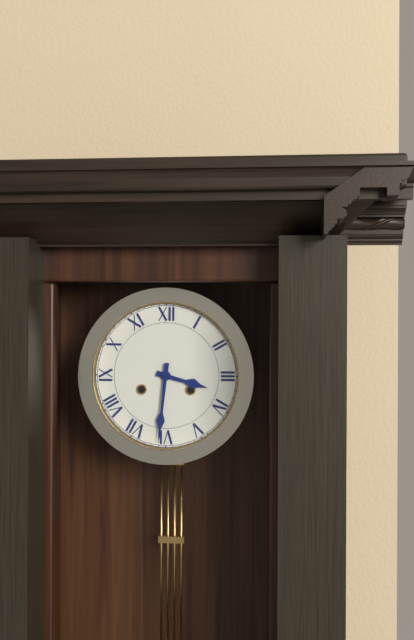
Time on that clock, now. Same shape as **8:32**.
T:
**3:31**
